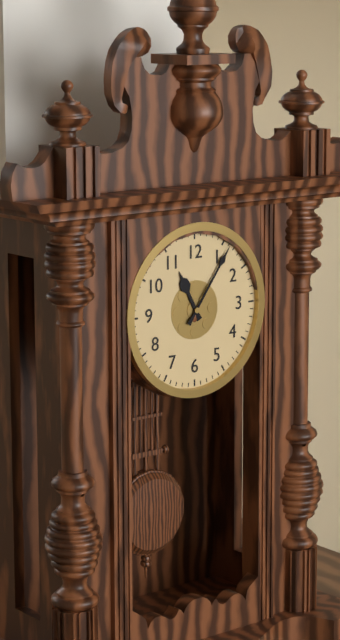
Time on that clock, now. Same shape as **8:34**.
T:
**11:06**
